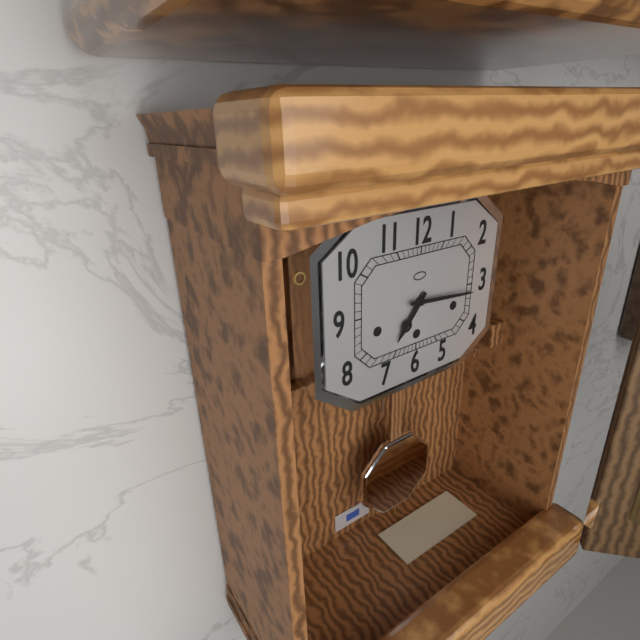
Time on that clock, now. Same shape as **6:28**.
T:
**7:16**
